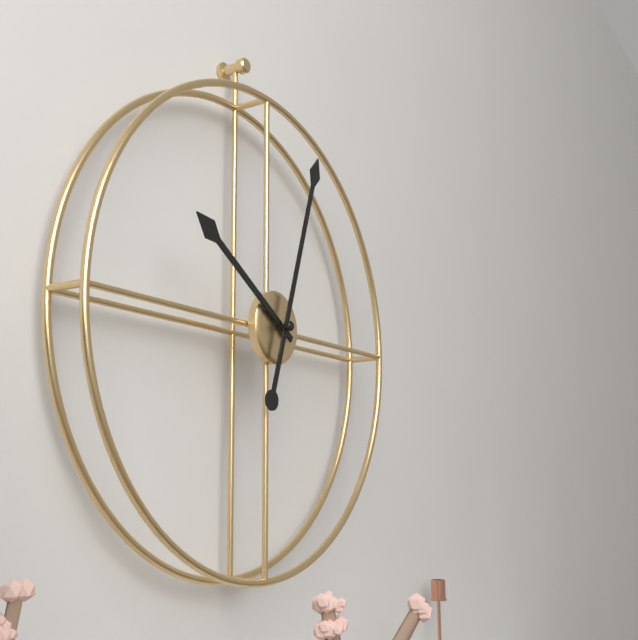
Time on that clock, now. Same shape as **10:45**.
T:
**10:03**
